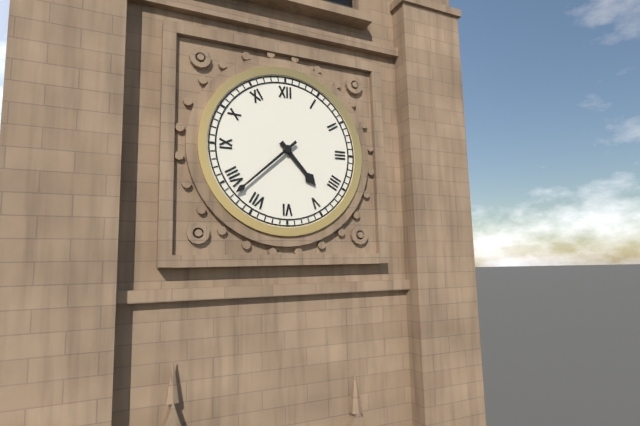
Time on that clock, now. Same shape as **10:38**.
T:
**4:38**
